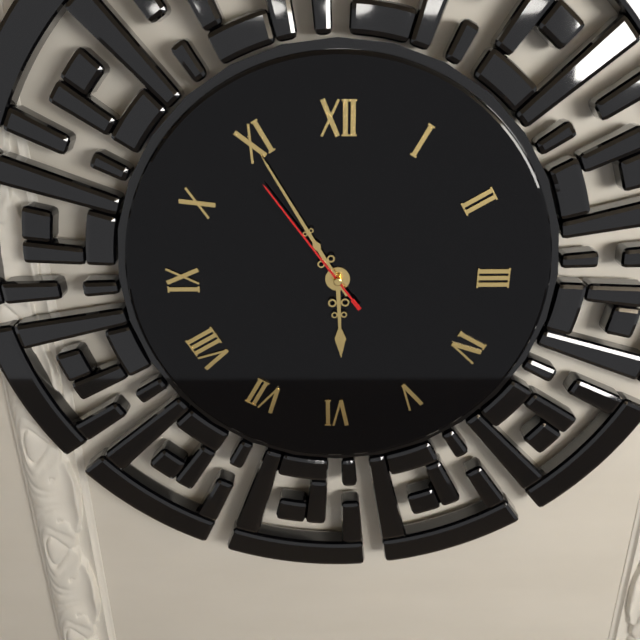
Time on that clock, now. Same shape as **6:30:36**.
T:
**5:55:54**
